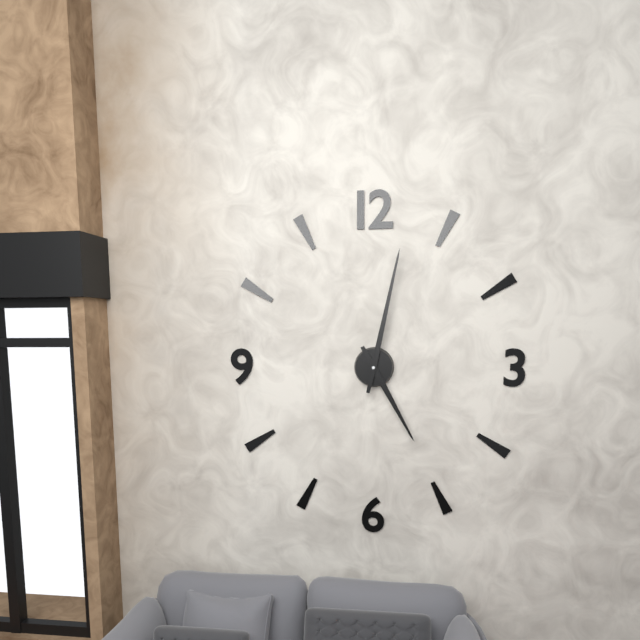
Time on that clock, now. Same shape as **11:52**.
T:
**5:02**
